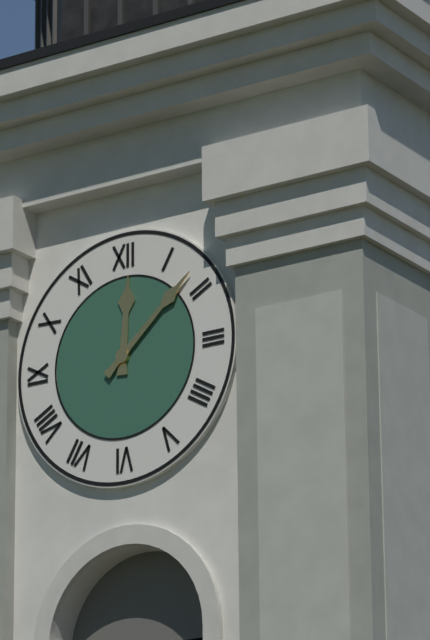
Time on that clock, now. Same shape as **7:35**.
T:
**12:08**
